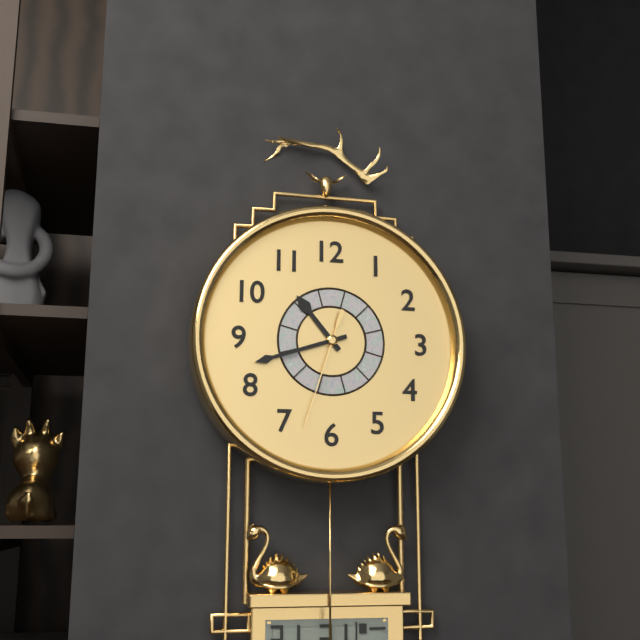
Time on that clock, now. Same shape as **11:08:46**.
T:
**10:42:33**
